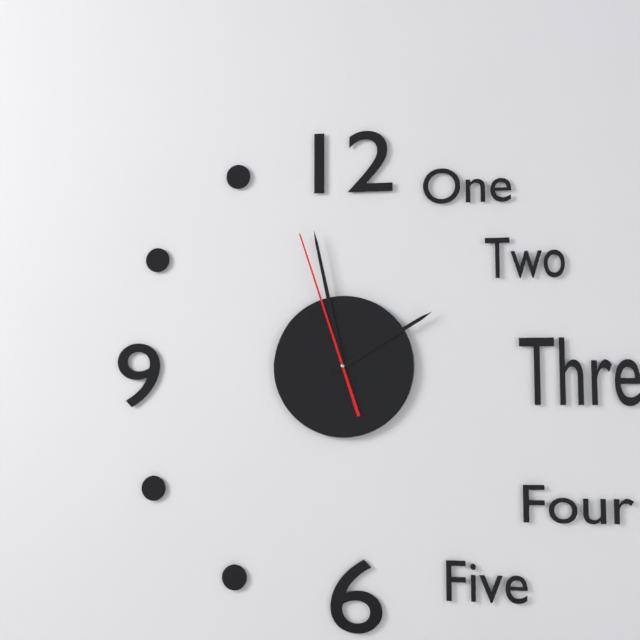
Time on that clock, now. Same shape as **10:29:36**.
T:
**1:58:57**
